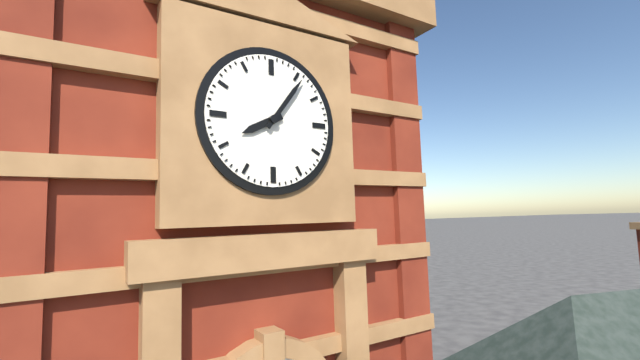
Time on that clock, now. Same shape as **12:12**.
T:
**8:06**
